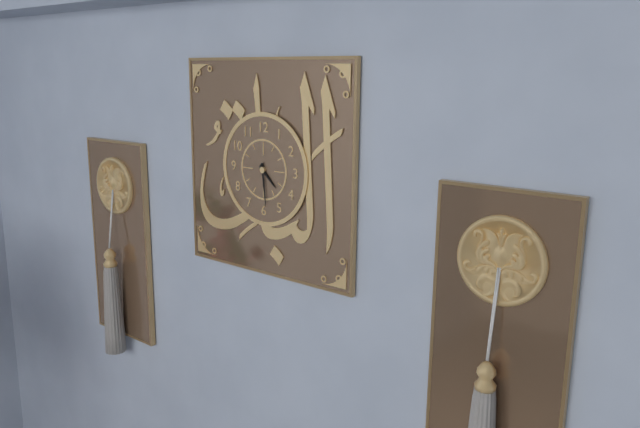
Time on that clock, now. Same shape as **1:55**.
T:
**4:29**
